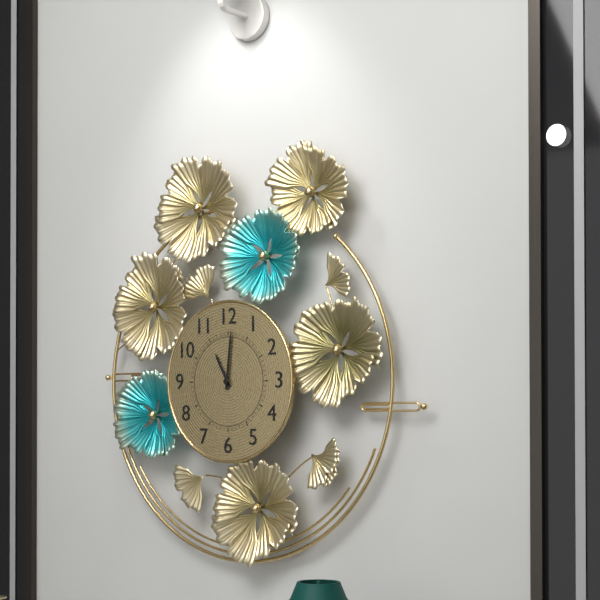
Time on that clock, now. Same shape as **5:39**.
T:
**11:01**
